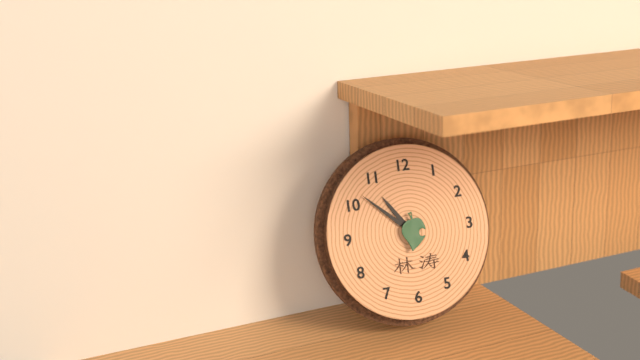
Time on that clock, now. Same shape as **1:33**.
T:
**10:52**
